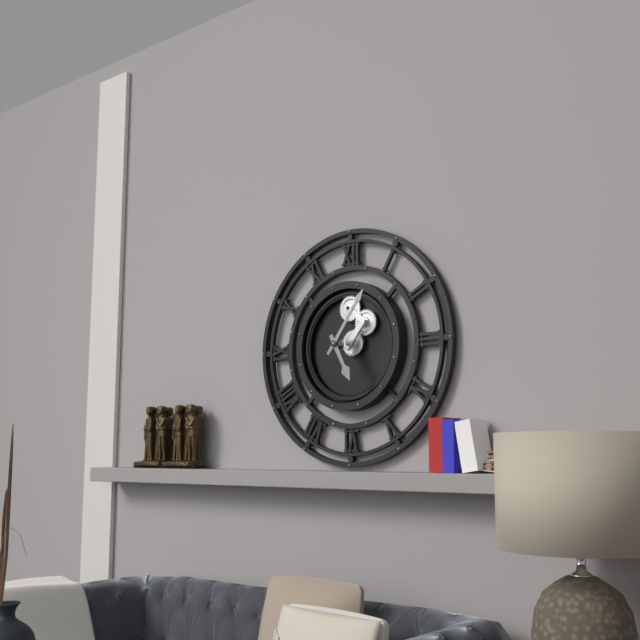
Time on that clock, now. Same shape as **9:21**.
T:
**5:06**
